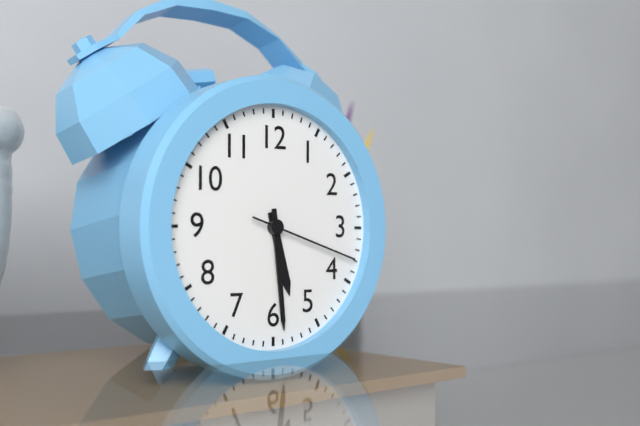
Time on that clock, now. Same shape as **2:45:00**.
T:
**5:29:18**
